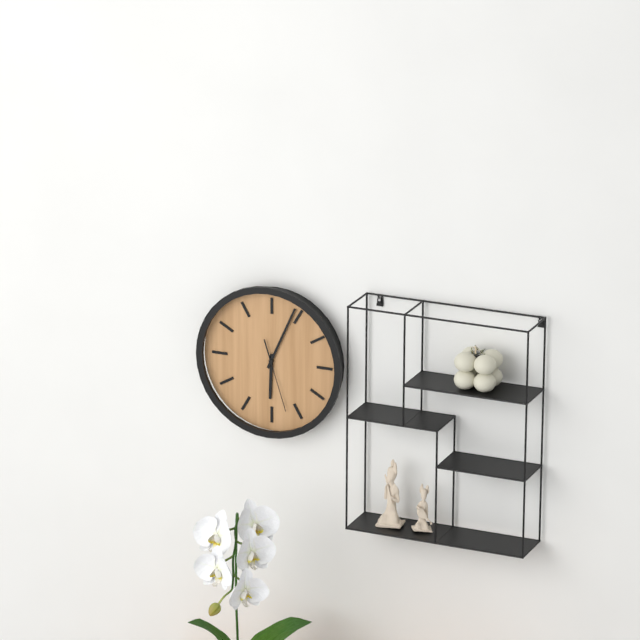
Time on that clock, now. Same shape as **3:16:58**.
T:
**6:04:27**
